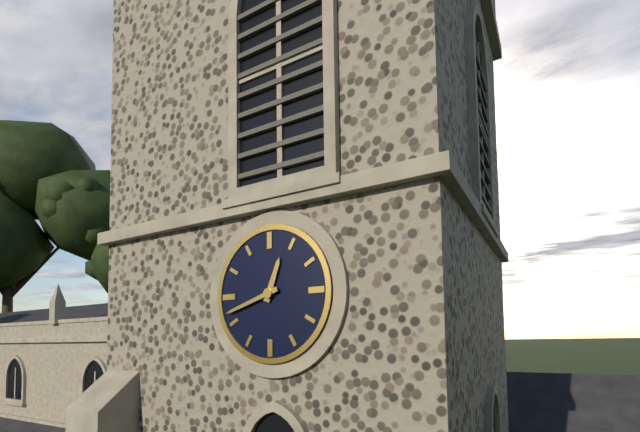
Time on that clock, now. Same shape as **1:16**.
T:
**12:42**
